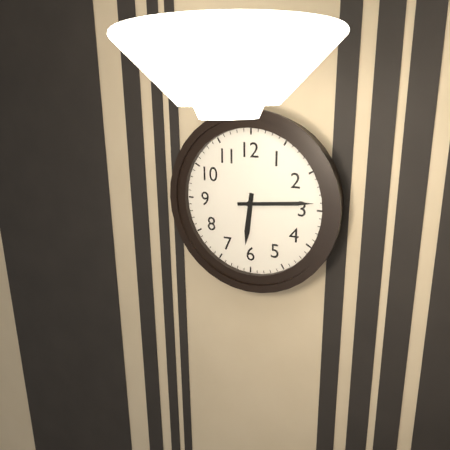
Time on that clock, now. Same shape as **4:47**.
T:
**6:14**
